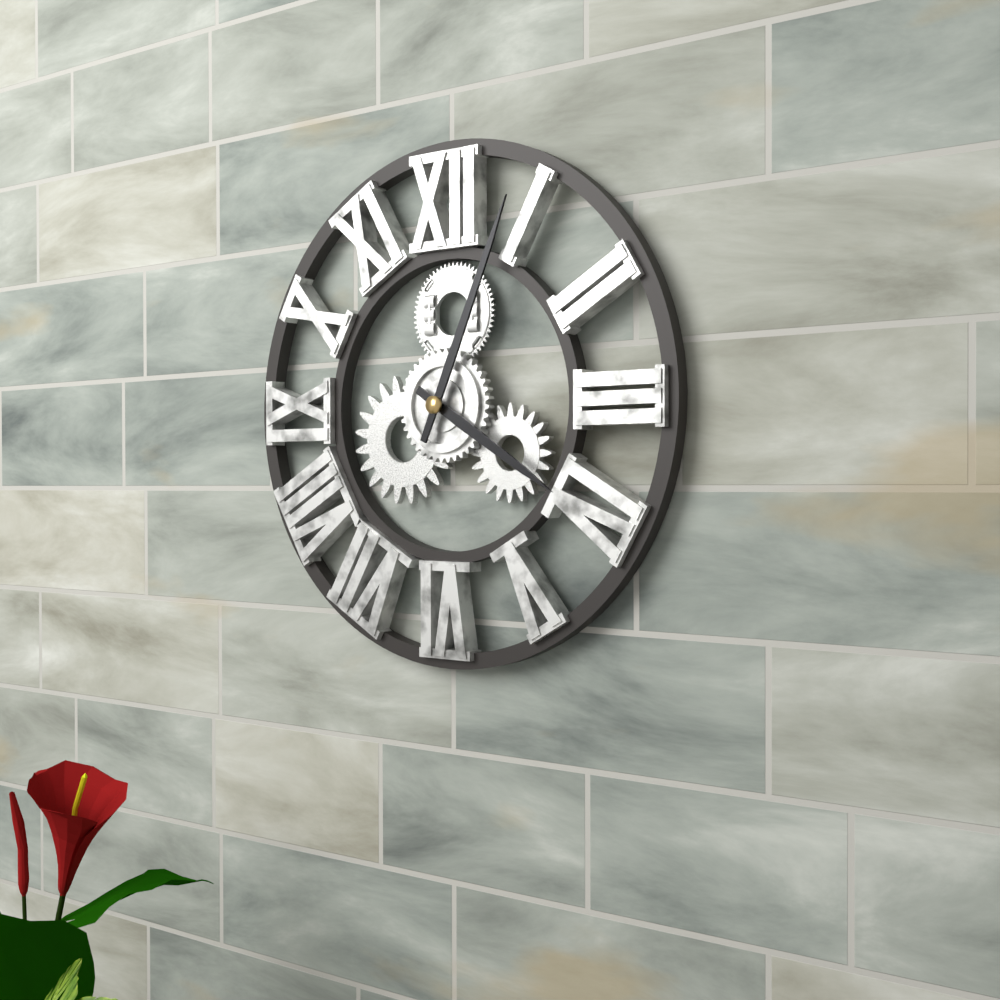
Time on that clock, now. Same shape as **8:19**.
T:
**4:04**
